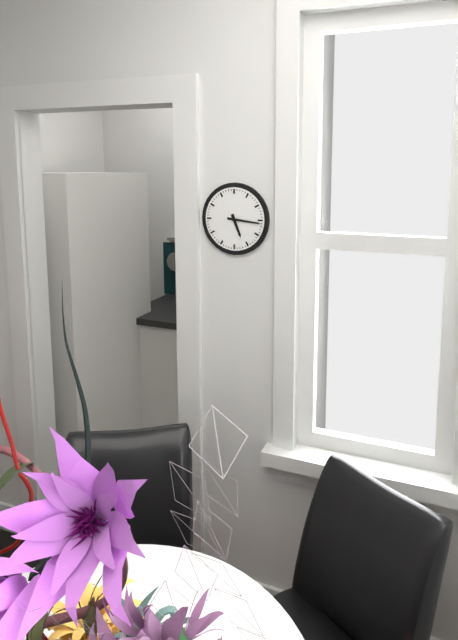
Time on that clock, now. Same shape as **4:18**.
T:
**5:16**
